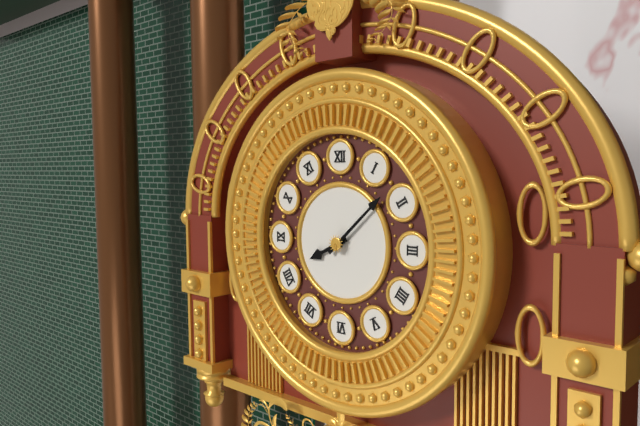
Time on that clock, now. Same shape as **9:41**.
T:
**8:08**
